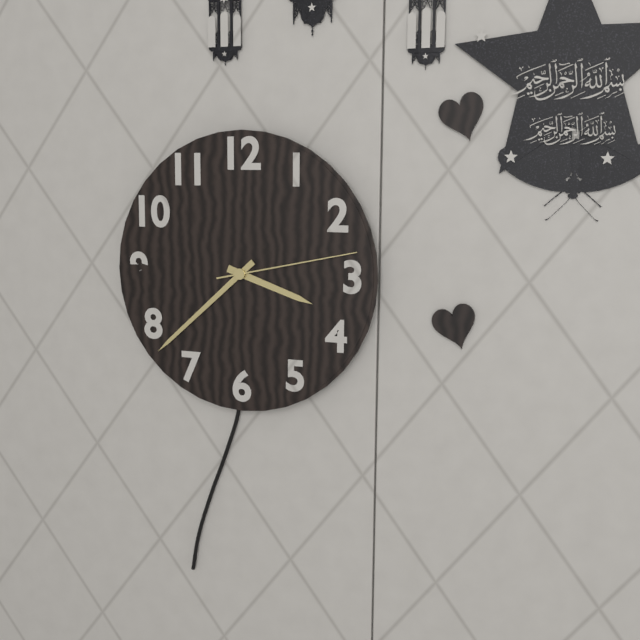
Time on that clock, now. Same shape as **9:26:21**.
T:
**3:38:13**
